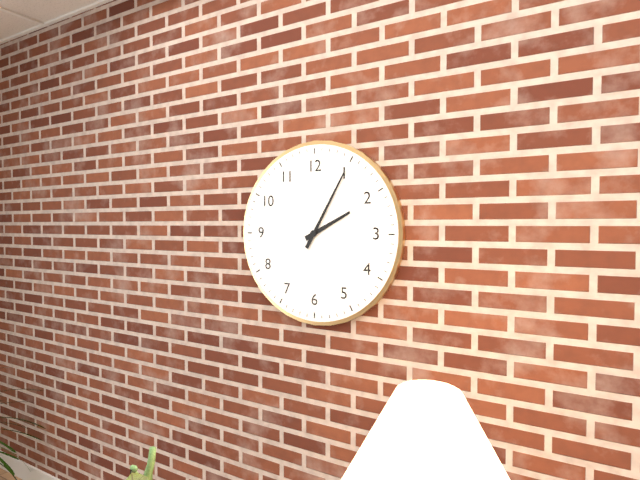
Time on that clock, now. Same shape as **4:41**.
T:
**2:05**
